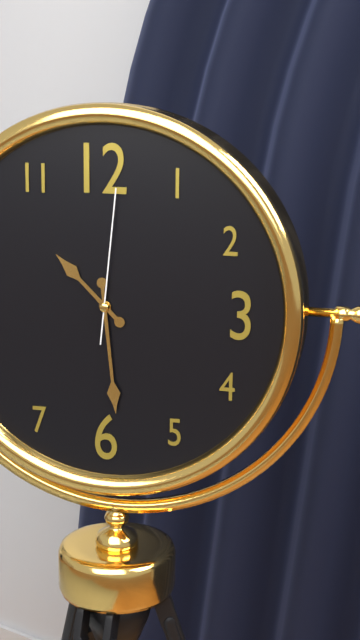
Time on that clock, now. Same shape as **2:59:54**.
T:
**10:29:01**
